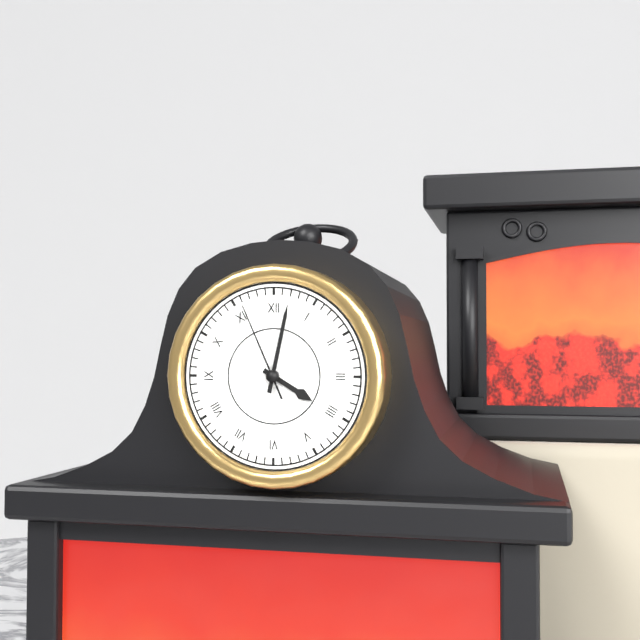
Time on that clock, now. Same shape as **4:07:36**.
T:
**4:02:56**
